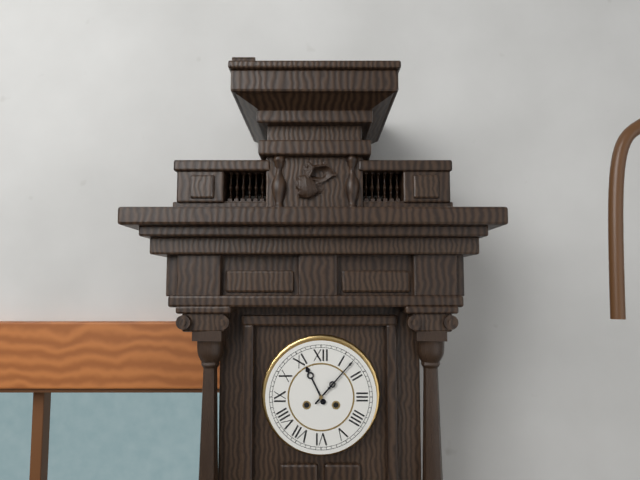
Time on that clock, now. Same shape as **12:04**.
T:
**11:07**
